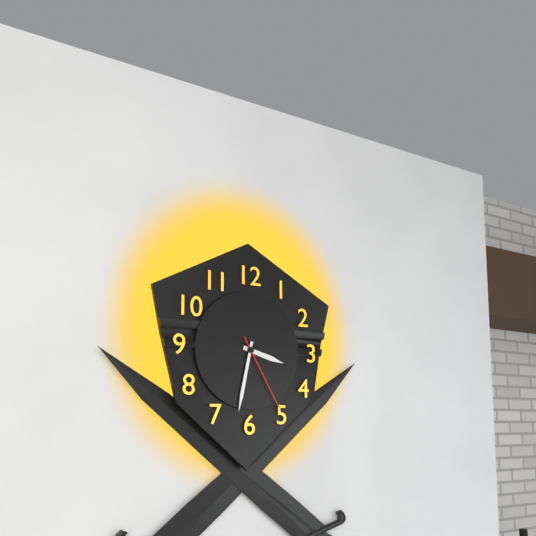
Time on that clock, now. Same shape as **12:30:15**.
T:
**3:32:25**
